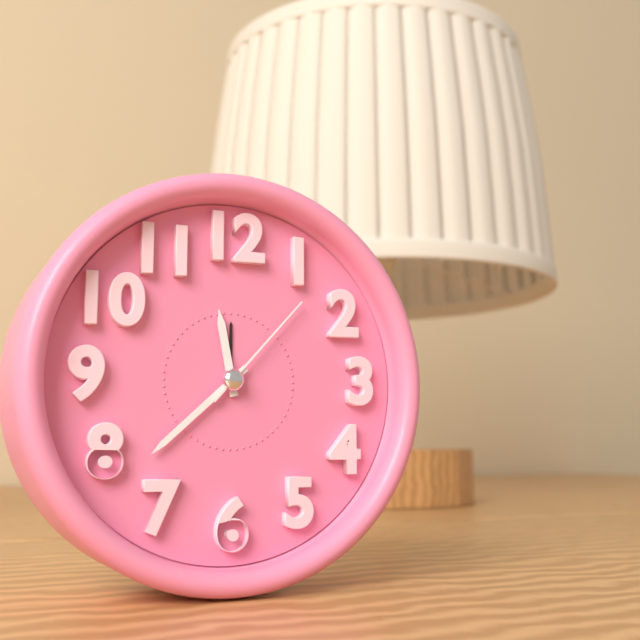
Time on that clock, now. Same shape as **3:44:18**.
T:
**11:38:07**
